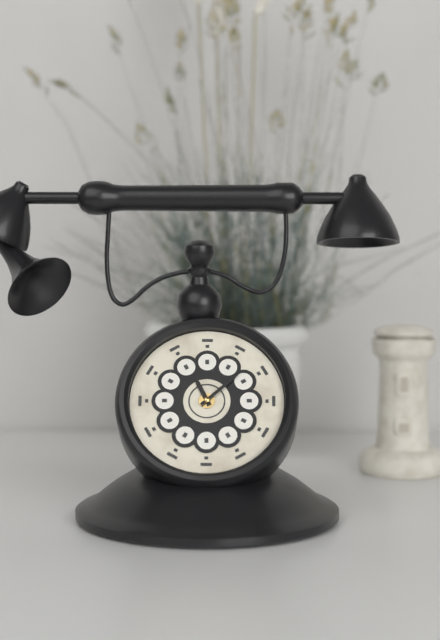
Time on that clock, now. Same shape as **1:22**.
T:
**11:08**
